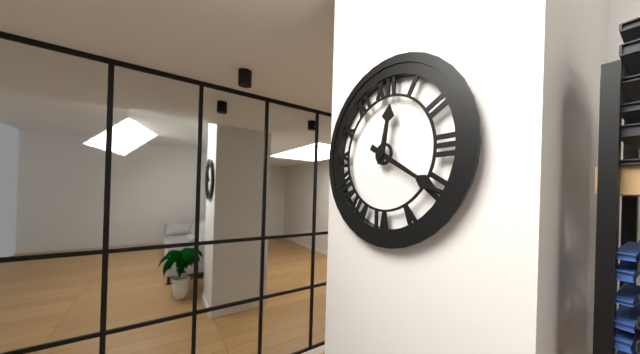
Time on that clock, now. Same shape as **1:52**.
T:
**12:20**
